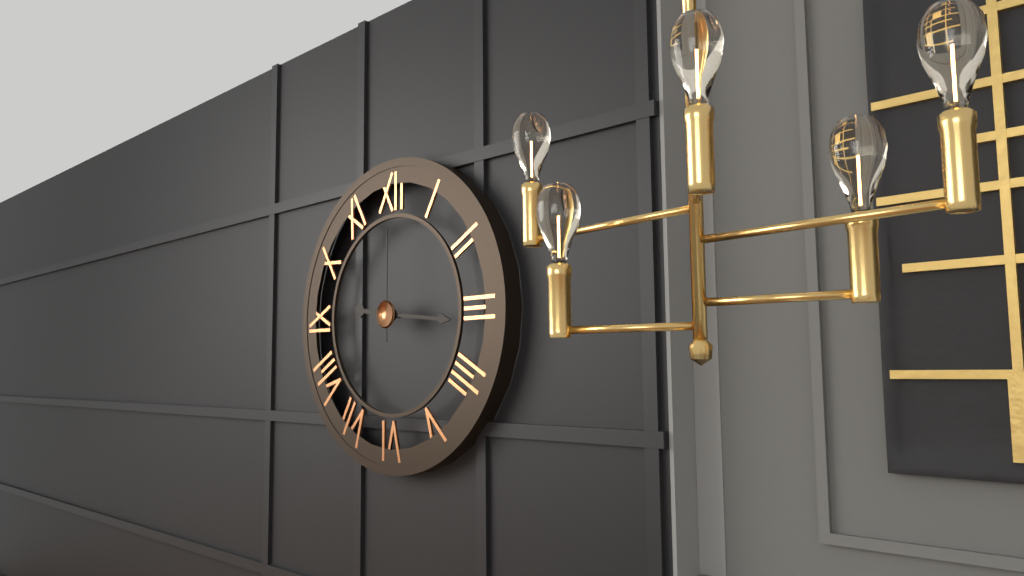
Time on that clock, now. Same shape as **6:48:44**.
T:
**9:16:00**
